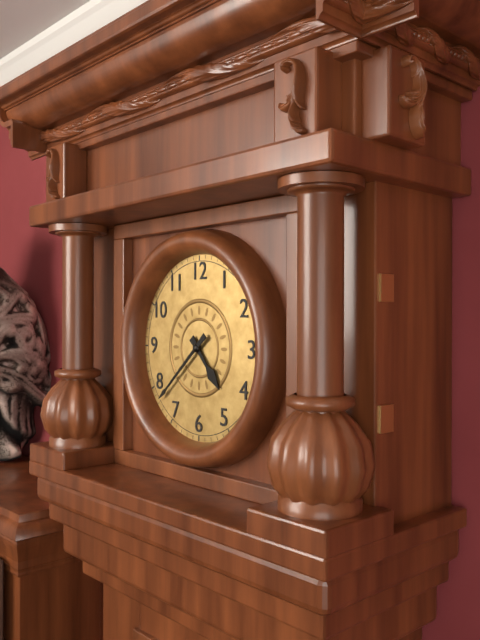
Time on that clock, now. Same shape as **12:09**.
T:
**4:38**
